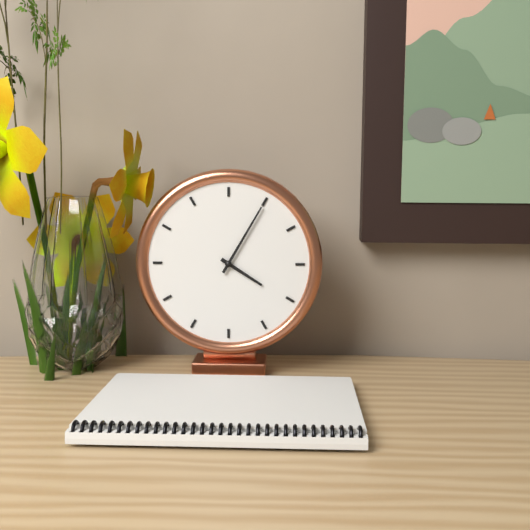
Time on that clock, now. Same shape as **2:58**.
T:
**4:05**
